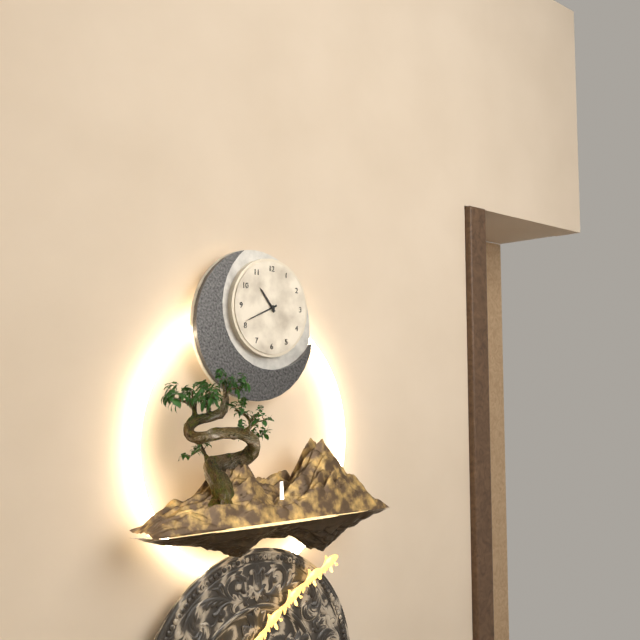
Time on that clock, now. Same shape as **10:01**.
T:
**10:41**
